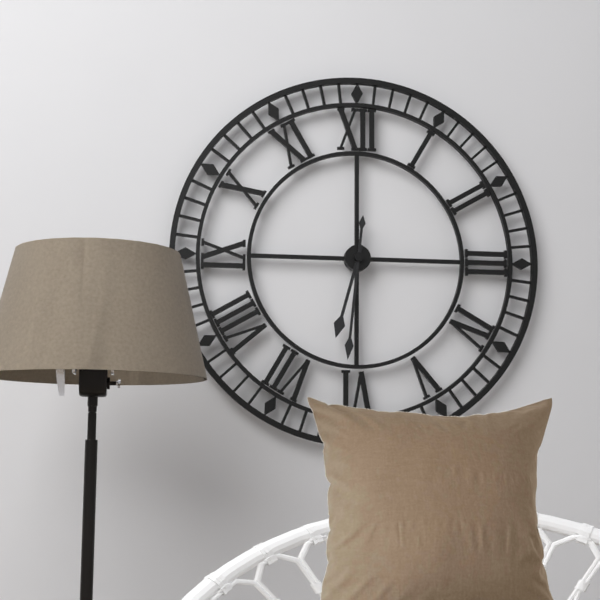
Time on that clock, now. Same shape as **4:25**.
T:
**6:31**
